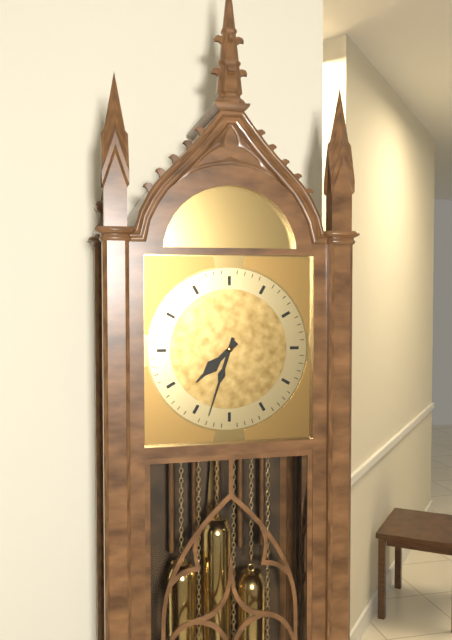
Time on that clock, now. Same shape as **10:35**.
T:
**7:33**
